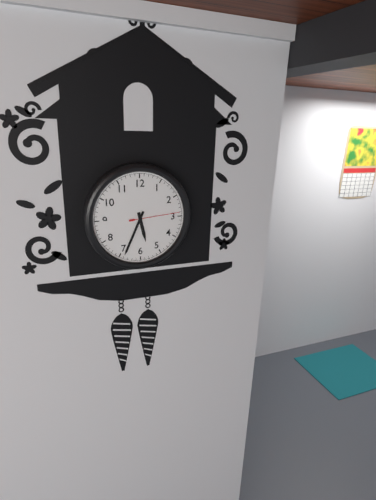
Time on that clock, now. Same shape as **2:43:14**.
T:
**5:34:14**
